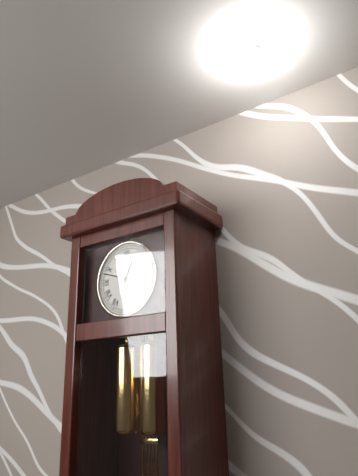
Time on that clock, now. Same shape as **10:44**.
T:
**12:48**
